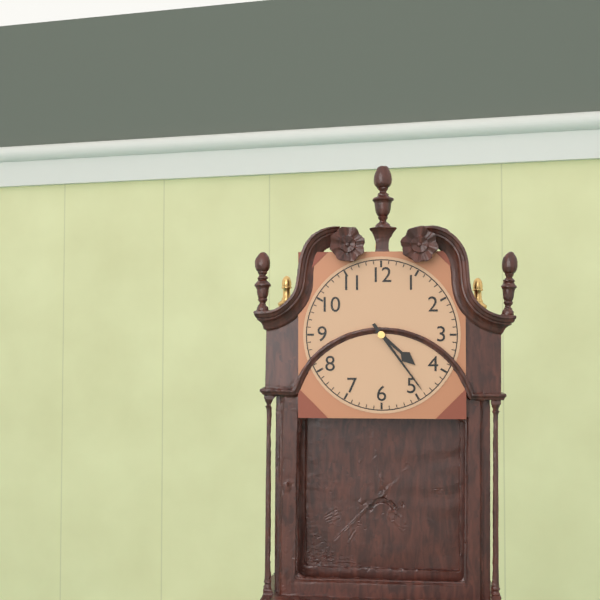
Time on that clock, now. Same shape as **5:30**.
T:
**4:24**
